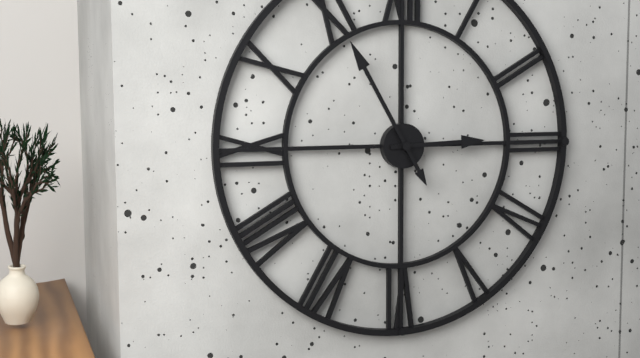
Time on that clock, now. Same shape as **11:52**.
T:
**2:55**
